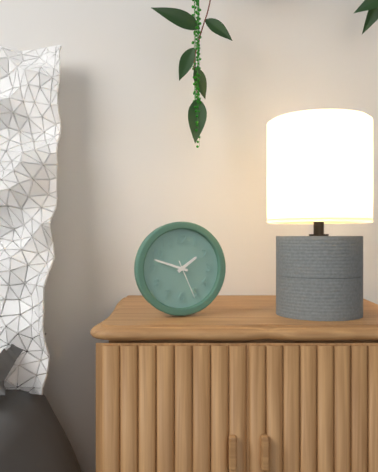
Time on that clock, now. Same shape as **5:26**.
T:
**1:48**
